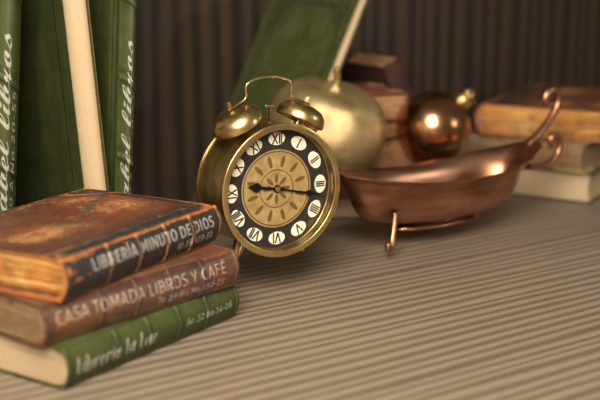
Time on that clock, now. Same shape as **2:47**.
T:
**9:17**
